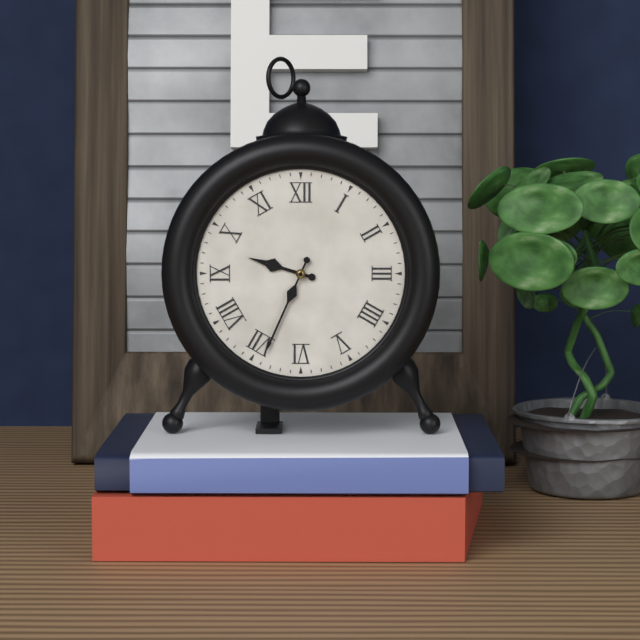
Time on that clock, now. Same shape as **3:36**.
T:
**9:34**
